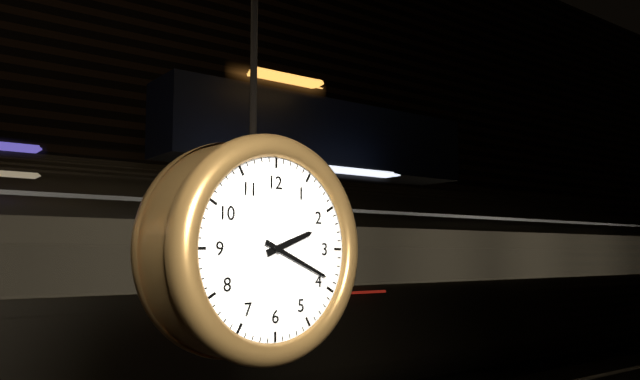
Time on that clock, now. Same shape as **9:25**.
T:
**2:19**
